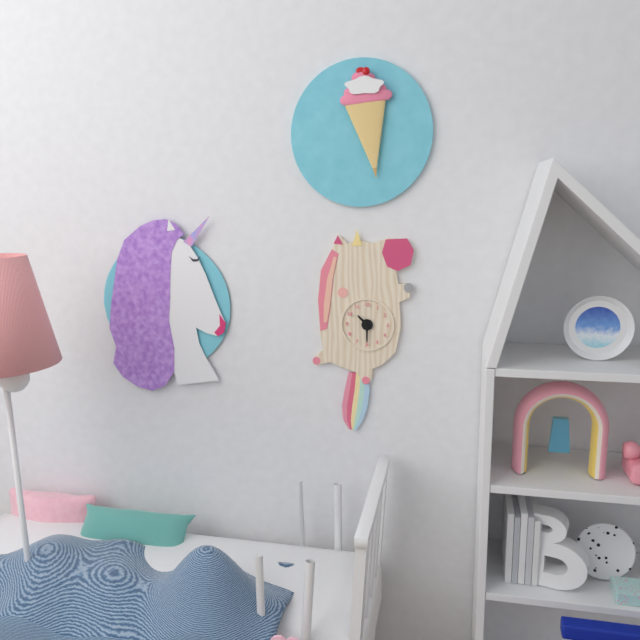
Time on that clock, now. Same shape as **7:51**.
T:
**10:30**
